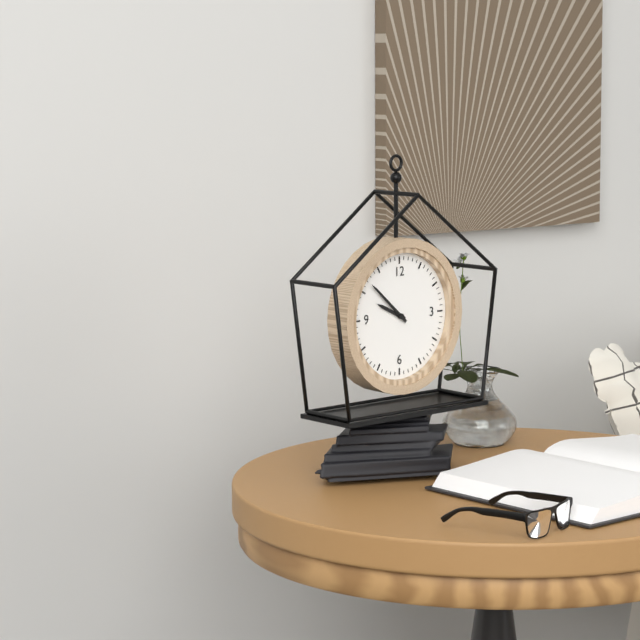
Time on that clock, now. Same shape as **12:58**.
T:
**9:52**
